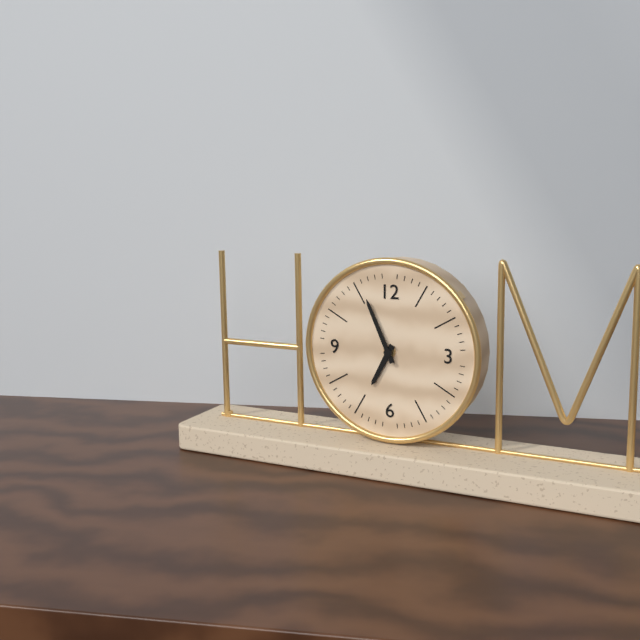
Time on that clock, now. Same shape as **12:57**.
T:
**6:56**
